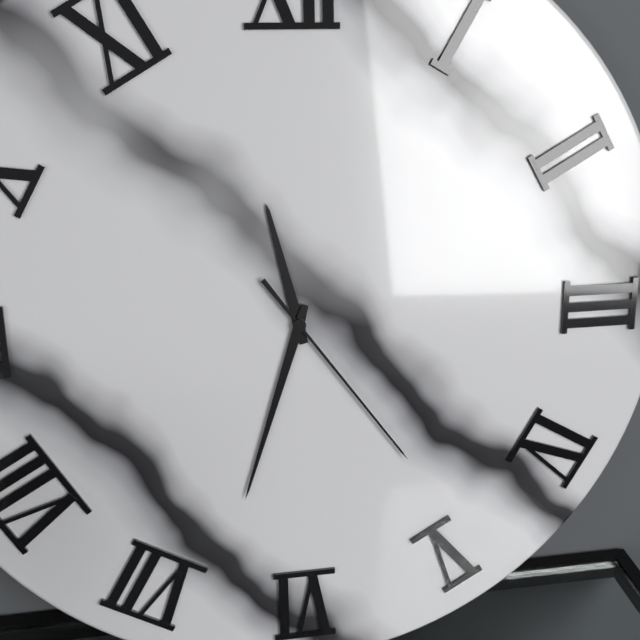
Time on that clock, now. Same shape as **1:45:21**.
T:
**11:33:24**
